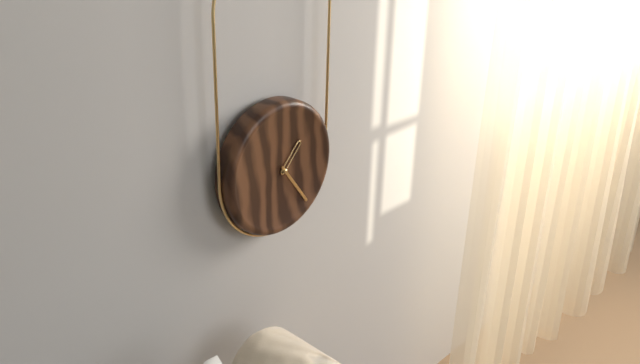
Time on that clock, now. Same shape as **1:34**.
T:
**1:24**
